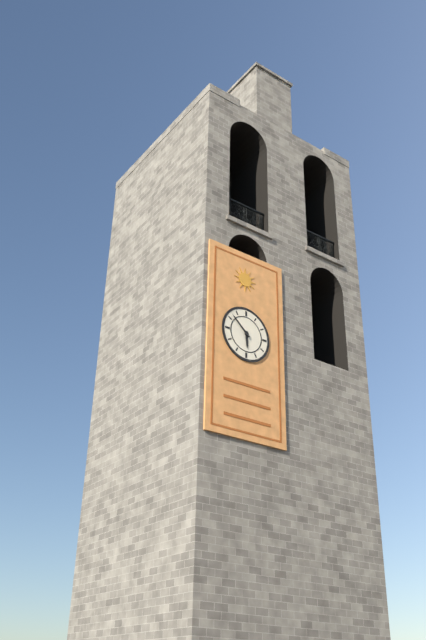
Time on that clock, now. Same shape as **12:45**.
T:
**5:52**
